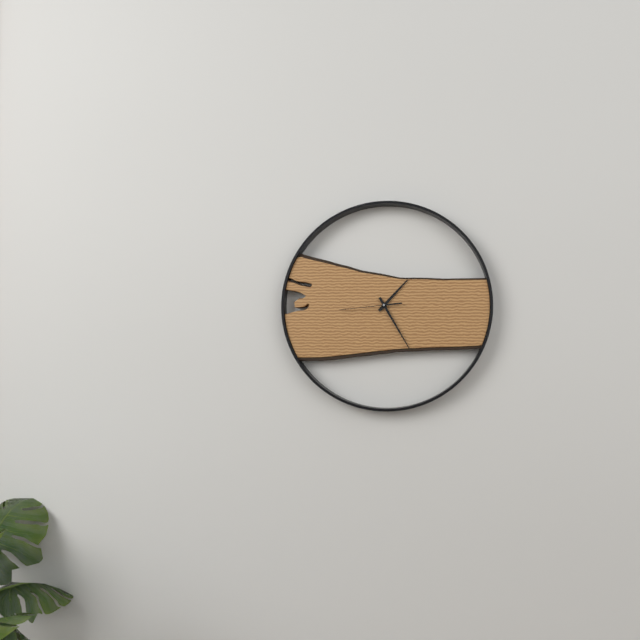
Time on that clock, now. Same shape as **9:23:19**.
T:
**1:25:44**
